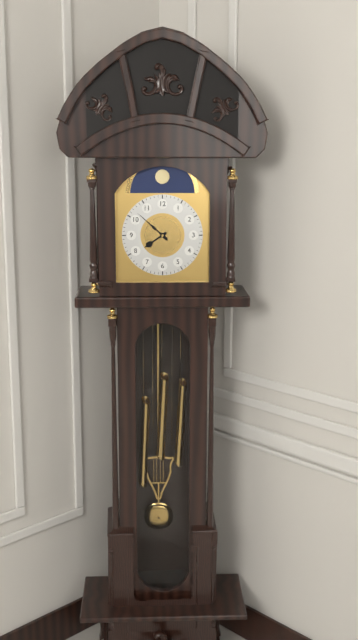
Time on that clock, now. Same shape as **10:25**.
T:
**7:52**
